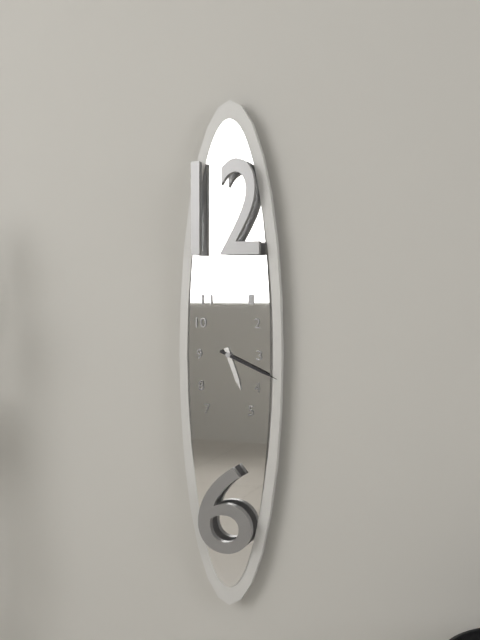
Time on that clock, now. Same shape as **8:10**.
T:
**5:19**
